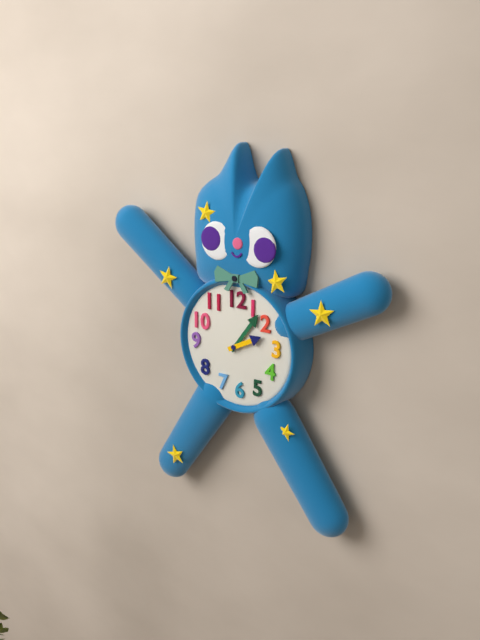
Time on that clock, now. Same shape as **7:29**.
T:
**2:06**
